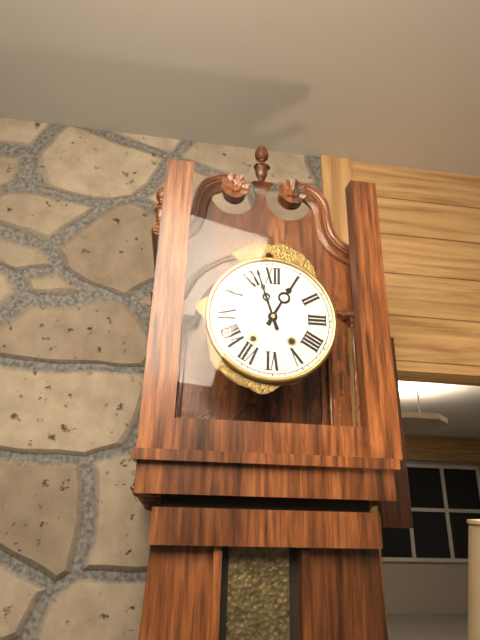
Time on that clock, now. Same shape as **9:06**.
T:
**12:57**
